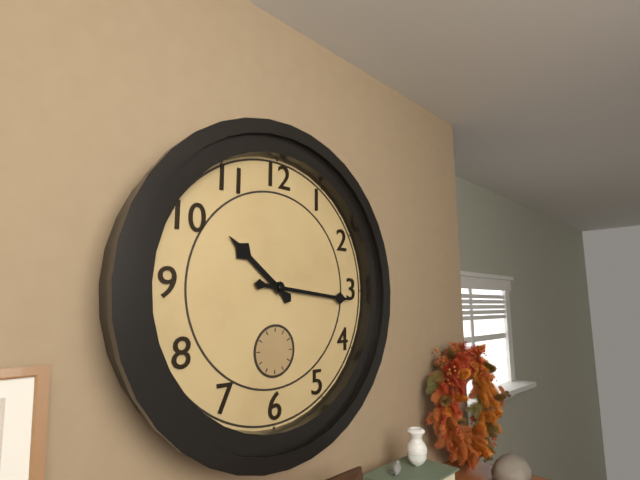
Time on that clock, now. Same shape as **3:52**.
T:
**10:16**
